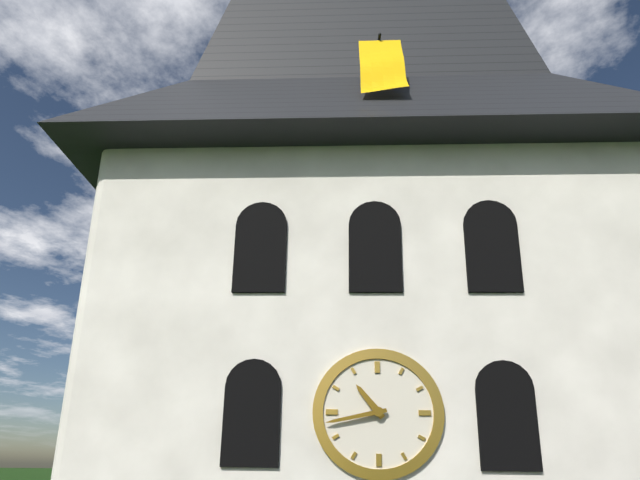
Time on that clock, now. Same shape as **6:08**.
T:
**10:43**
